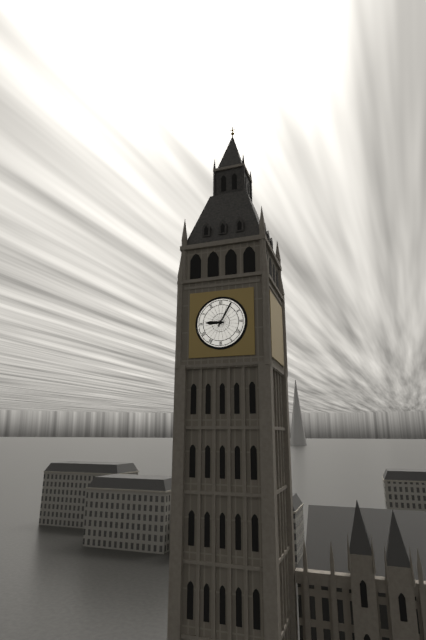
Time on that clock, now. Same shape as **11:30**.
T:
**9:05**
